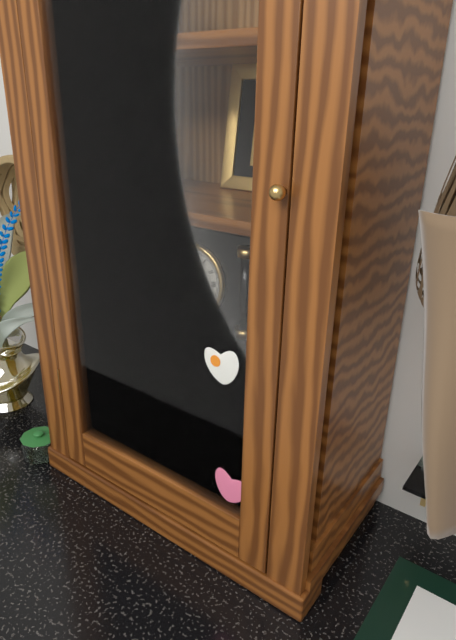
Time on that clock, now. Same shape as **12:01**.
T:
**9:47**
